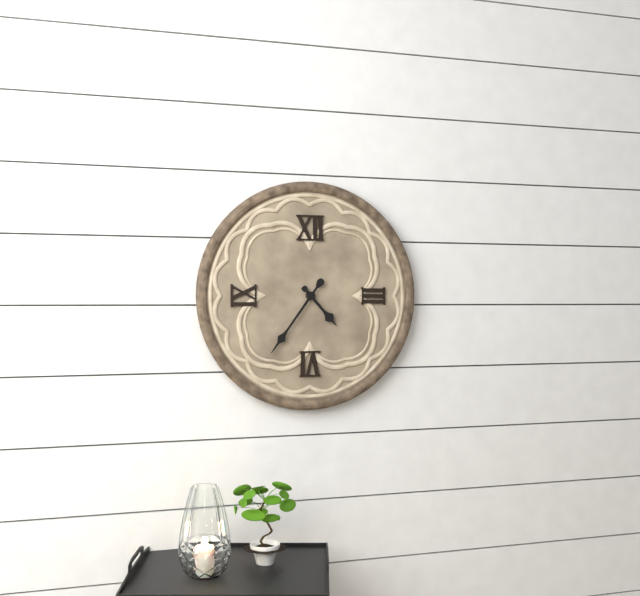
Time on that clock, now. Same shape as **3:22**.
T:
**4:36**
